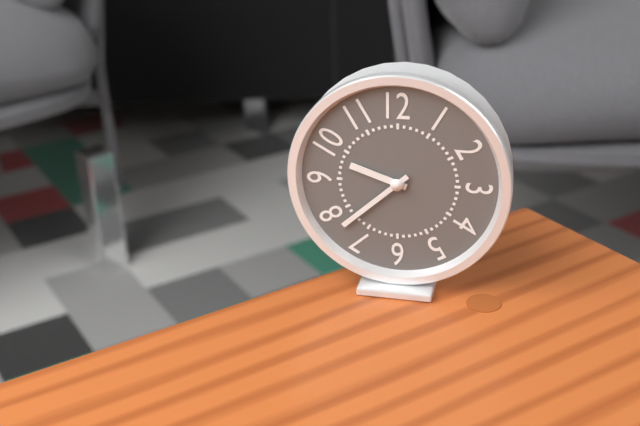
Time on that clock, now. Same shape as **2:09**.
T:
**9:38**
